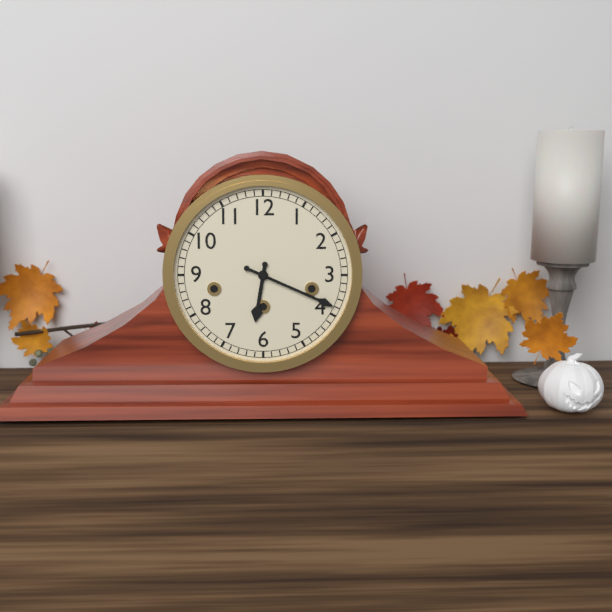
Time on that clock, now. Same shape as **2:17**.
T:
**6:19**
